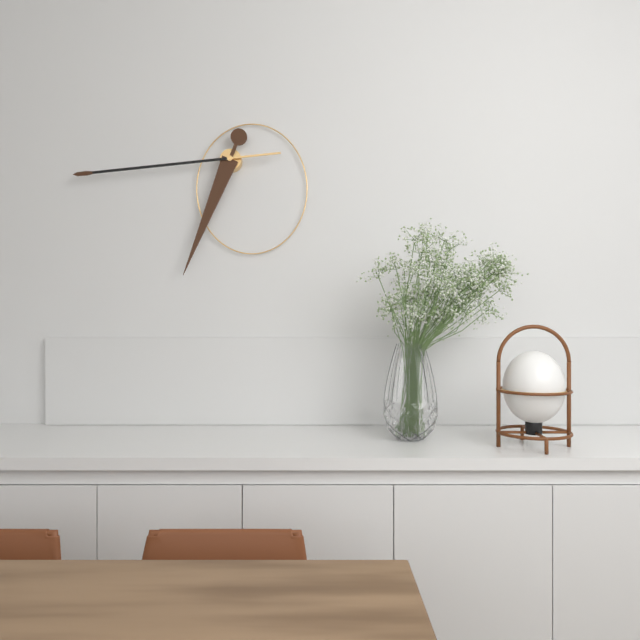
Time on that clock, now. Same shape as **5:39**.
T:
**6:44**
